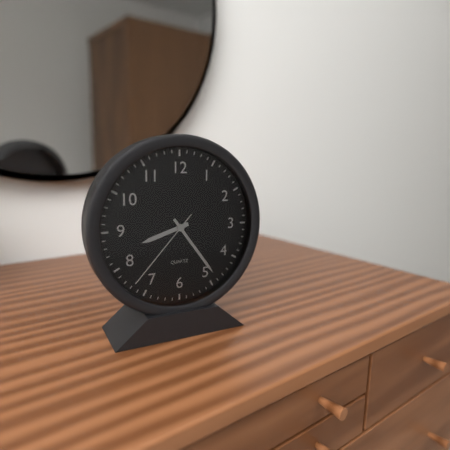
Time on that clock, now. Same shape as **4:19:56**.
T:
**8:24:37**
